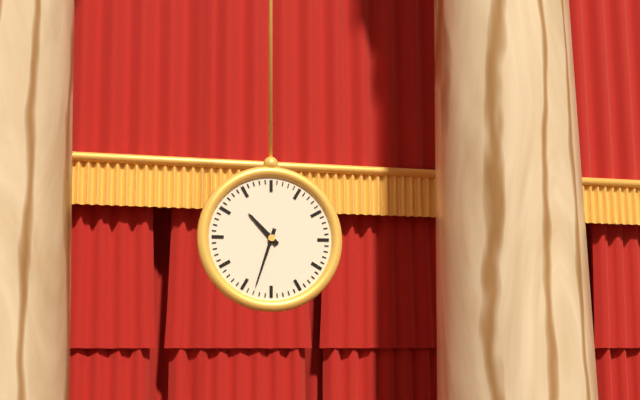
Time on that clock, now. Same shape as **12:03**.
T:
**10:33**
